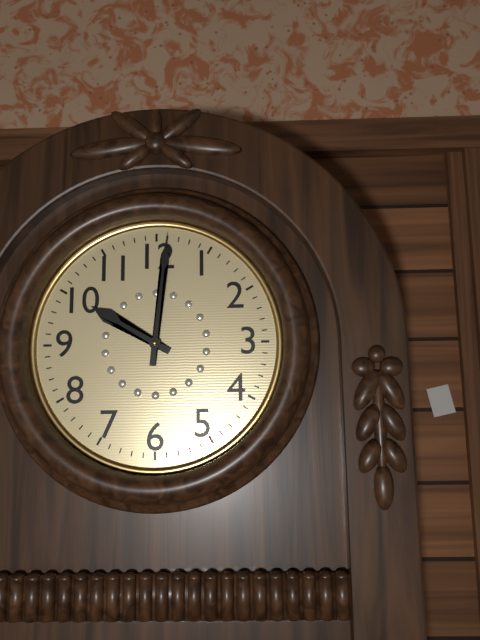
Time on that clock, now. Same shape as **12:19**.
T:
**10:01**
